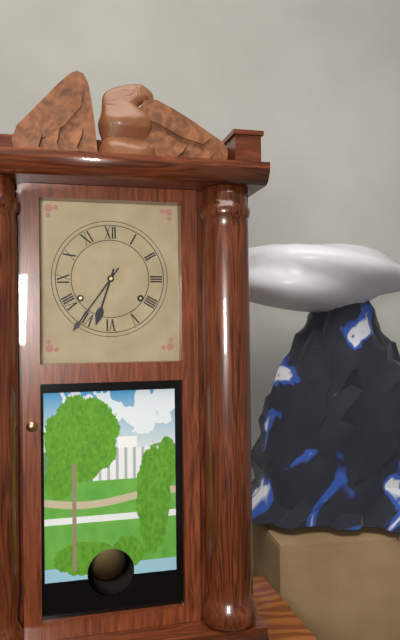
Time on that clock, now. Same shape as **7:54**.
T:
**6:36**
